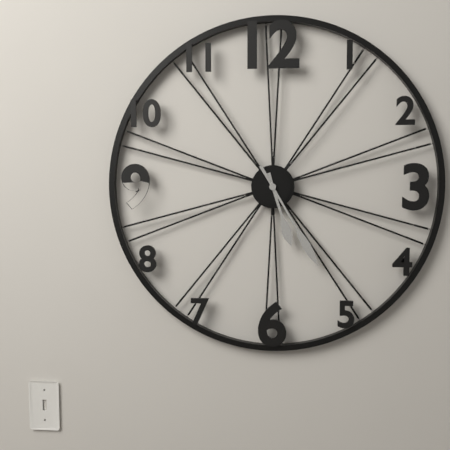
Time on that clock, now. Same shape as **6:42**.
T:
**5:25**
